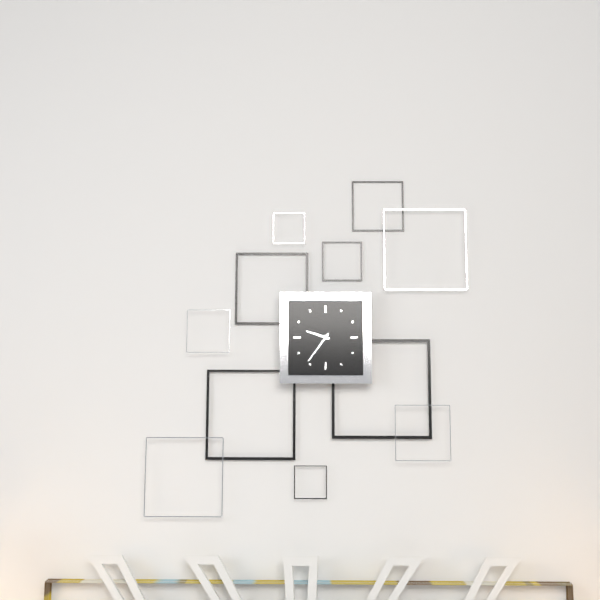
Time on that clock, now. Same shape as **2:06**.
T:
**9:36**
